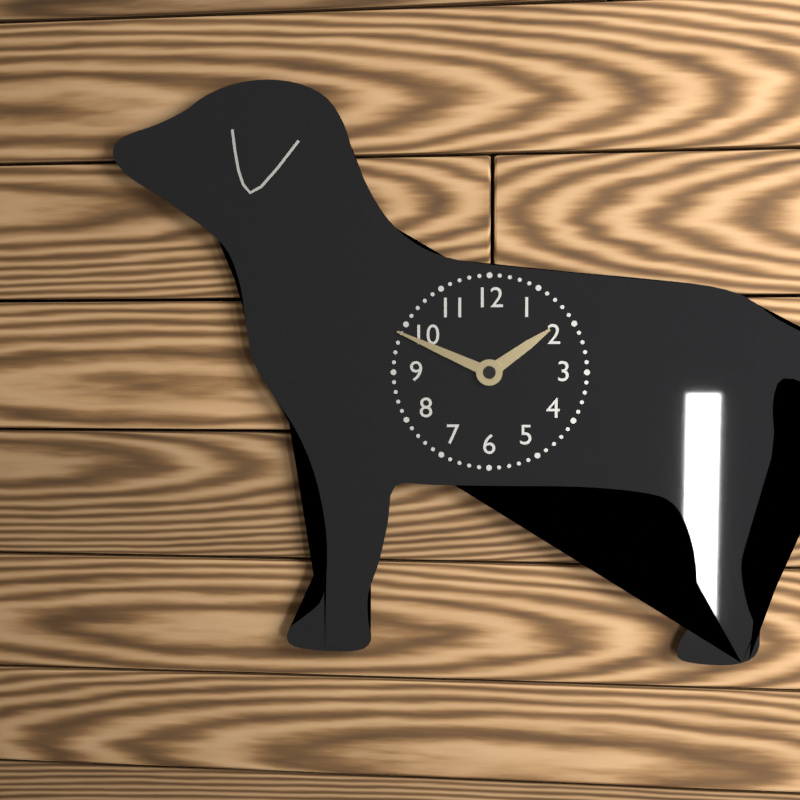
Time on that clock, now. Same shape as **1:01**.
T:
**1:49**
